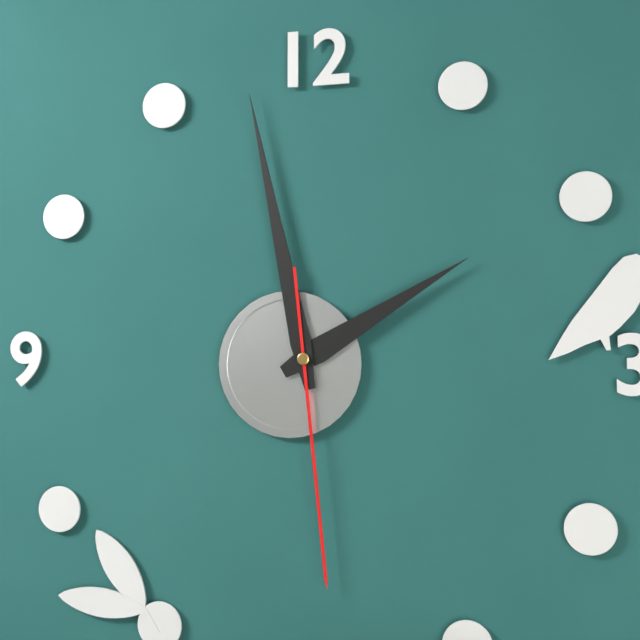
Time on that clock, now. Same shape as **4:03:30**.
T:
**1:58:29**
